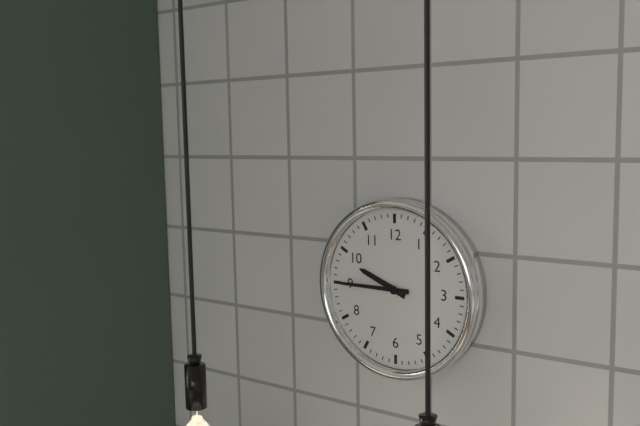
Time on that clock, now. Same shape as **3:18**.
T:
**9:45**
